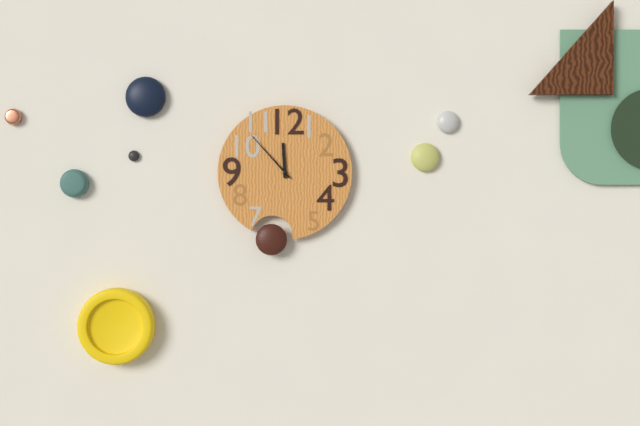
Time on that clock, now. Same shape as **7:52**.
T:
**11:53**
